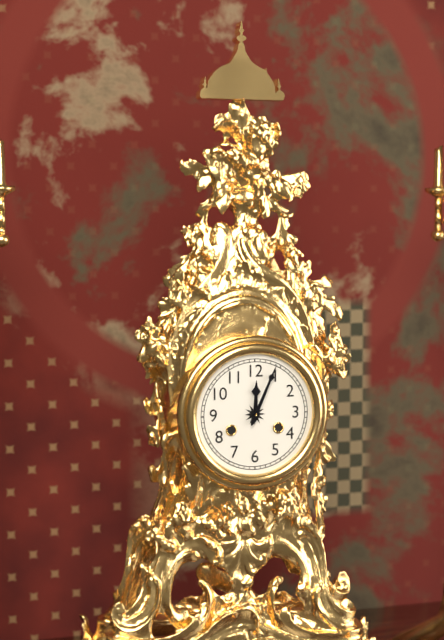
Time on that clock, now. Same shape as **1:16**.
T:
**12:04**
